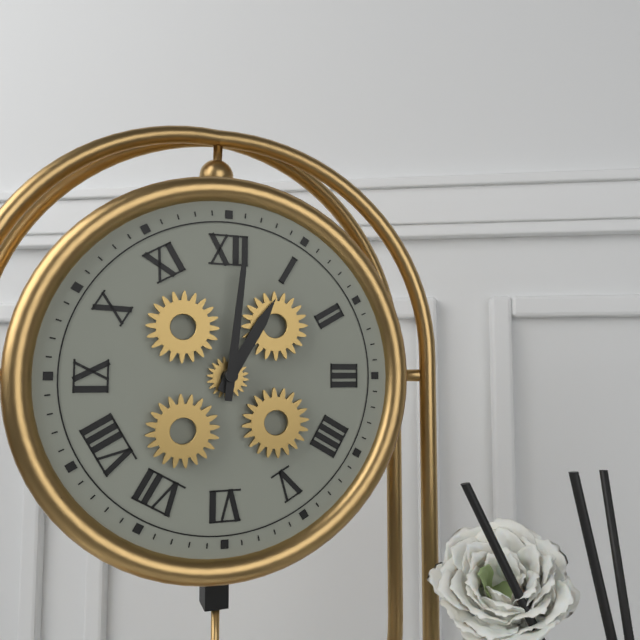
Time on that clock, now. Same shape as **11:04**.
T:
**1:01**
